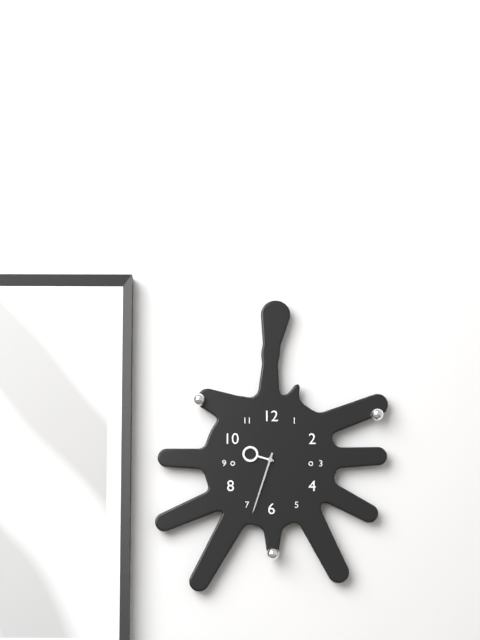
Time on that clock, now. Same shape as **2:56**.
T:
**9:33**
